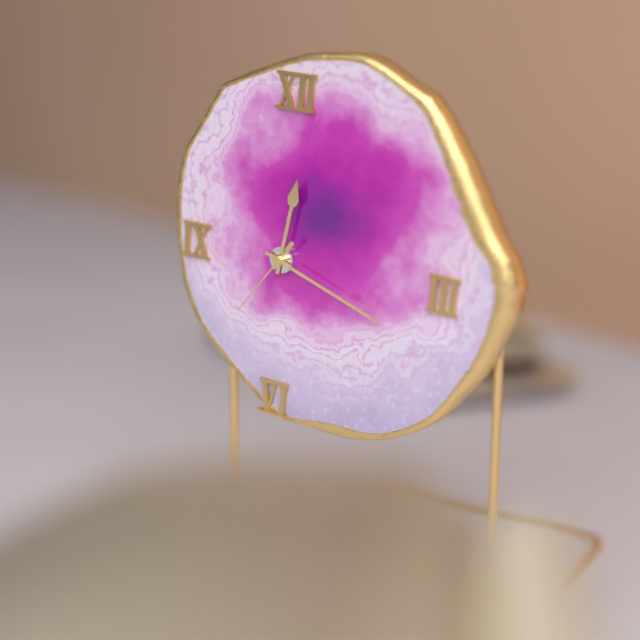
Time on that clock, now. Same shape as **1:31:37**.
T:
**12:18:36**
